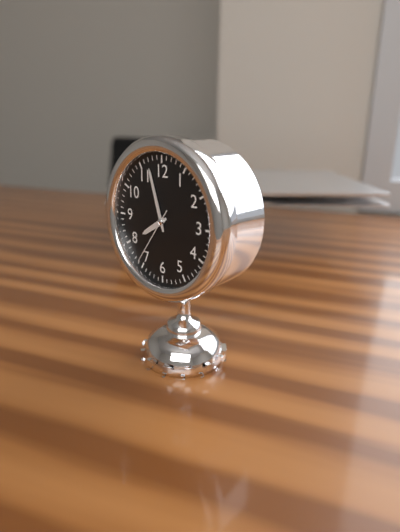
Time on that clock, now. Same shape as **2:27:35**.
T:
**7:57:36**
